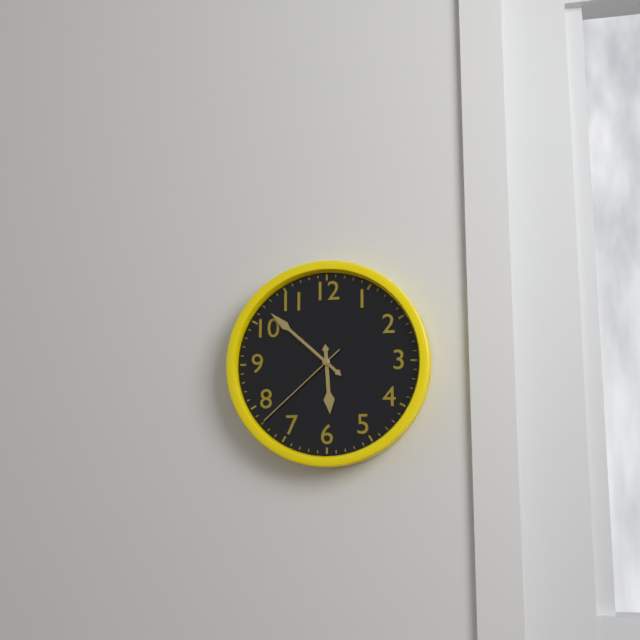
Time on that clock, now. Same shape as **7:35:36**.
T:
**5:52:38**
